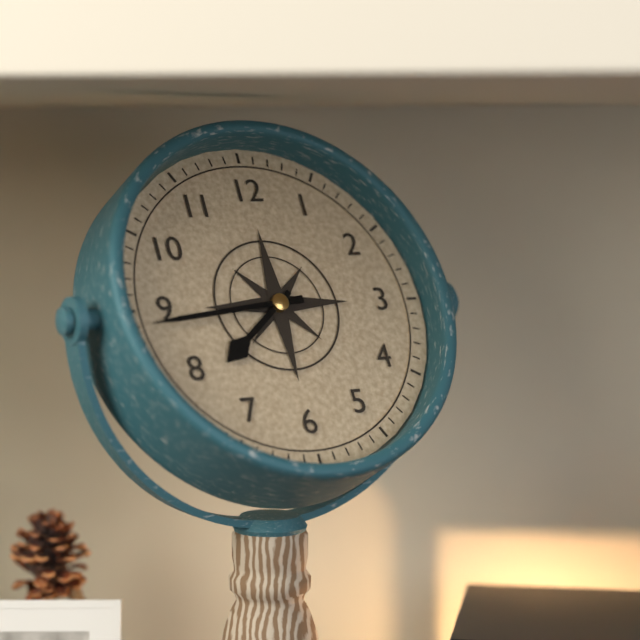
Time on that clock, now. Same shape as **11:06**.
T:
**7:44**
